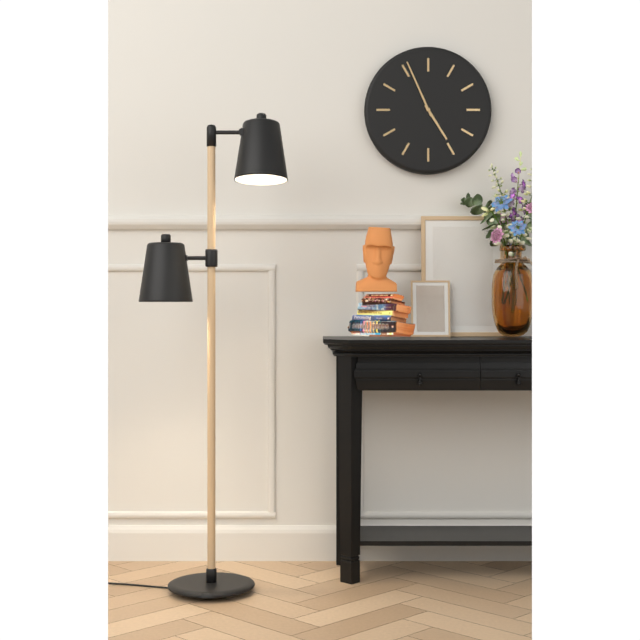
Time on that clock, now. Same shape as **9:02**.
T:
**4:56**
